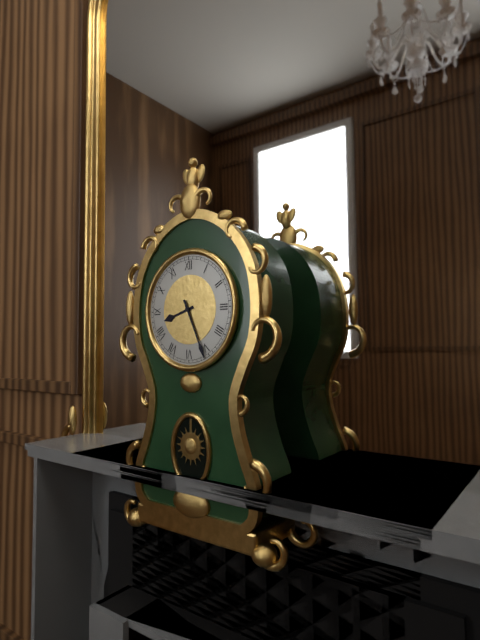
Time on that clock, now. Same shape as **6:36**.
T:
**8:26**
